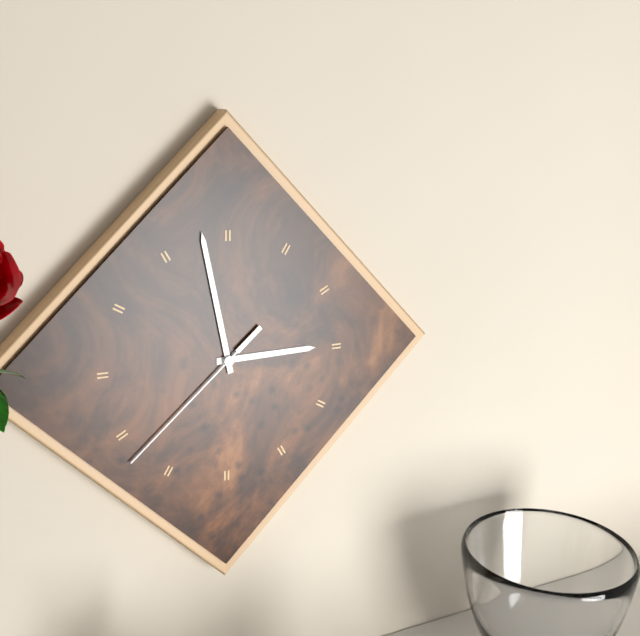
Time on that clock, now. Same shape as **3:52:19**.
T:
**2:58:38**
